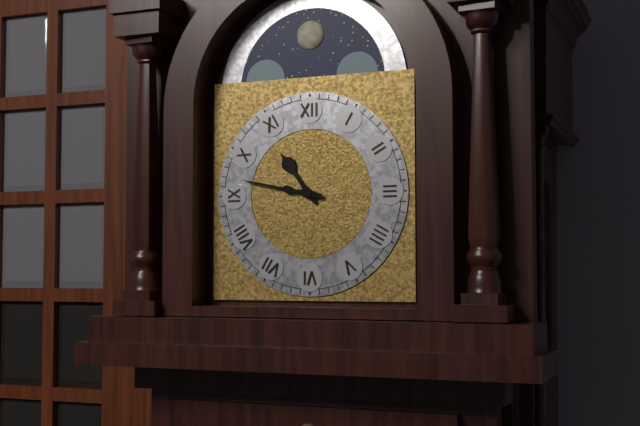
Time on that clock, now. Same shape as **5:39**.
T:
**10:47**
